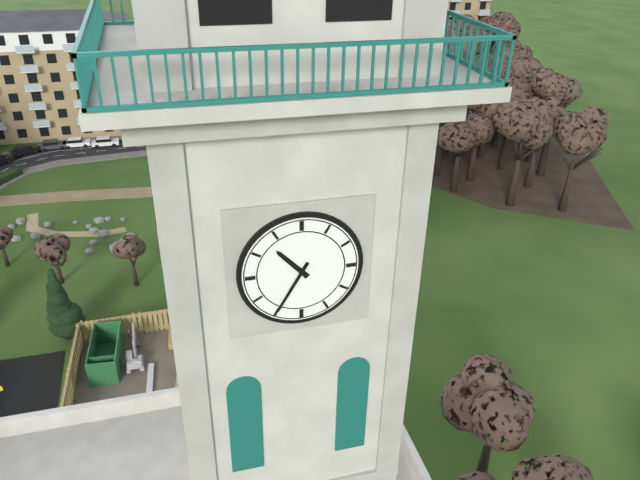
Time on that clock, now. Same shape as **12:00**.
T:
**10:35**
